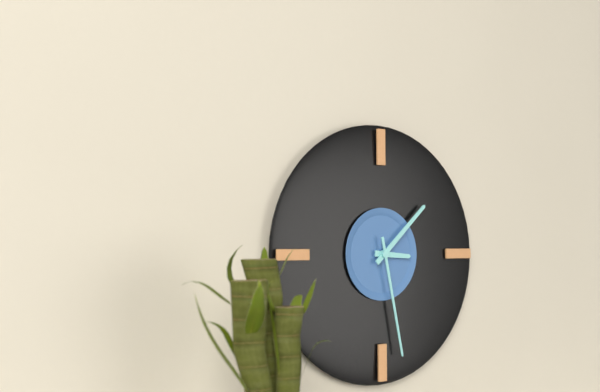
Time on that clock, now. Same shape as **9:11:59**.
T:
**3:08:28**
